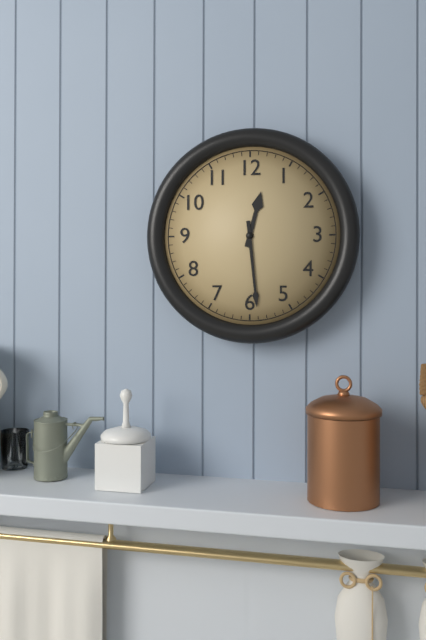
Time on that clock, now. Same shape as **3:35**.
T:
**12:29**
